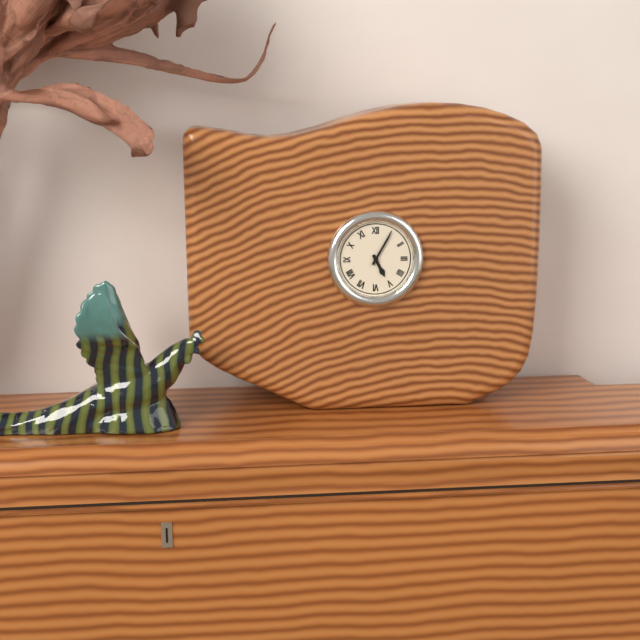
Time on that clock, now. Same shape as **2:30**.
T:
**5:05**
